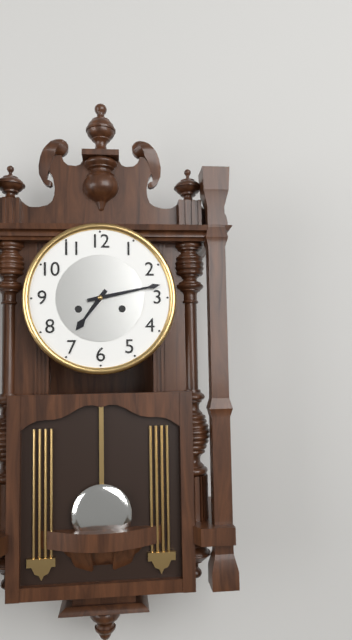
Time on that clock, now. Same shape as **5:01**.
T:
**7:13**
